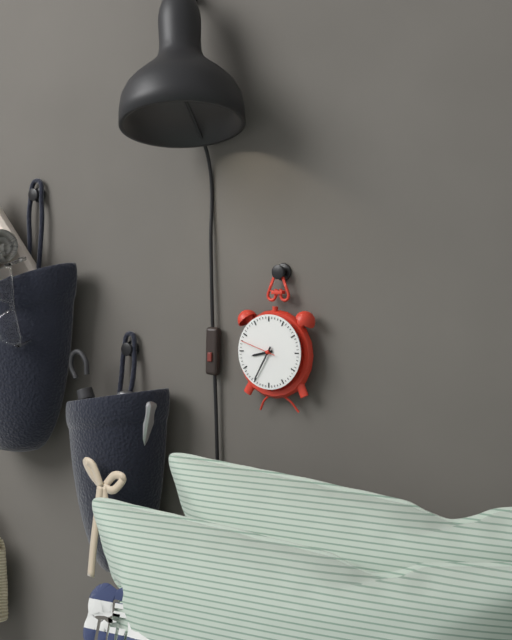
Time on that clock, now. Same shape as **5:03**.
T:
**8:35**
